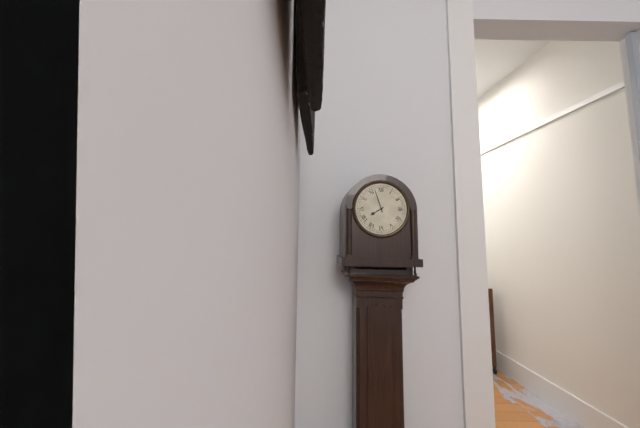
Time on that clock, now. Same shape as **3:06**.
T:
**7:57**
